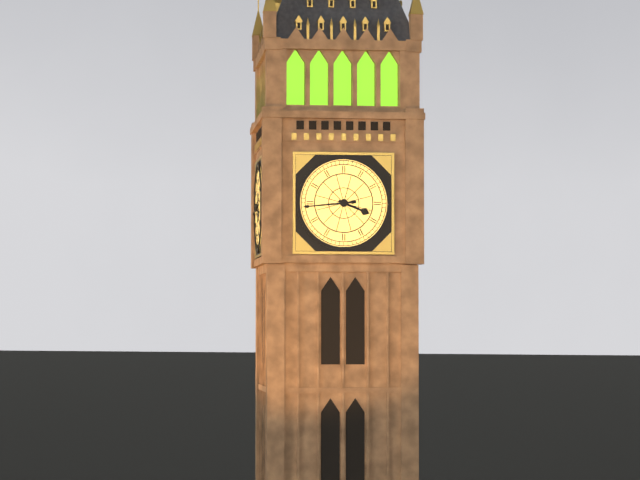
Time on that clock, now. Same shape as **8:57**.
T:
**3:44**
